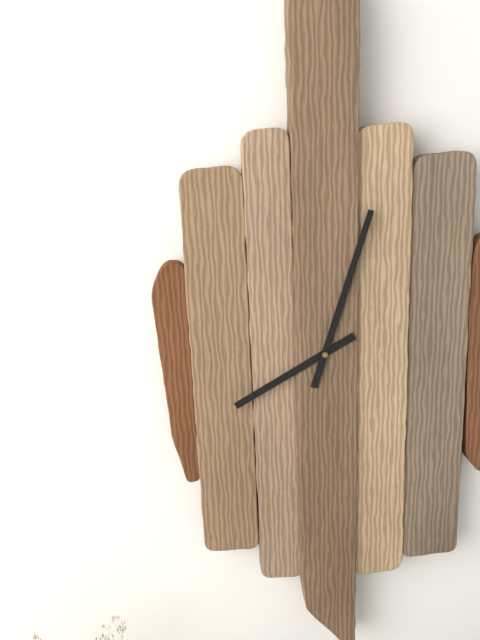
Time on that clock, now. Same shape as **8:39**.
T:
**8:03**
